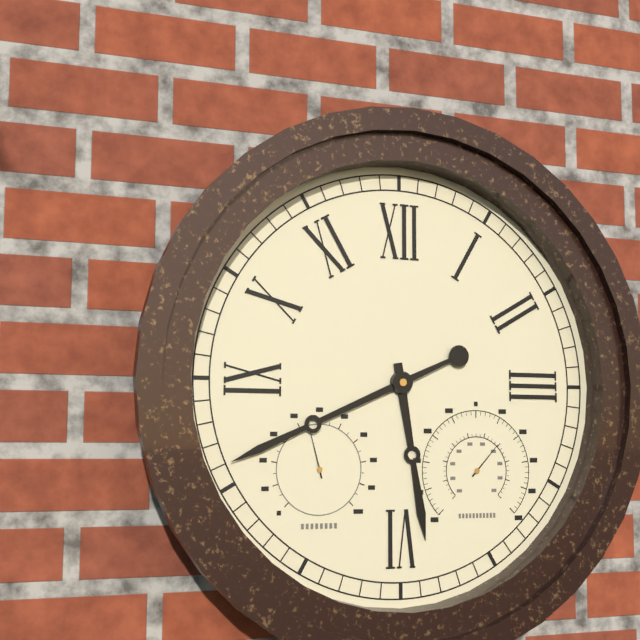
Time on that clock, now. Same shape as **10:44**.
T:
**5:41**
